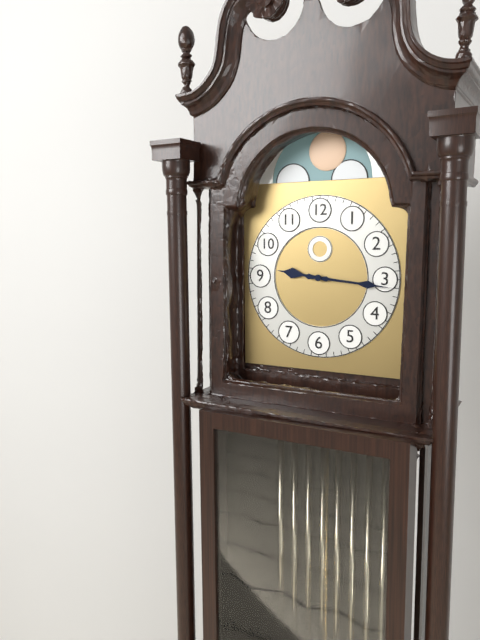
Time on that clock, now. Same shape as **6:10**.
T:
**9:16**
